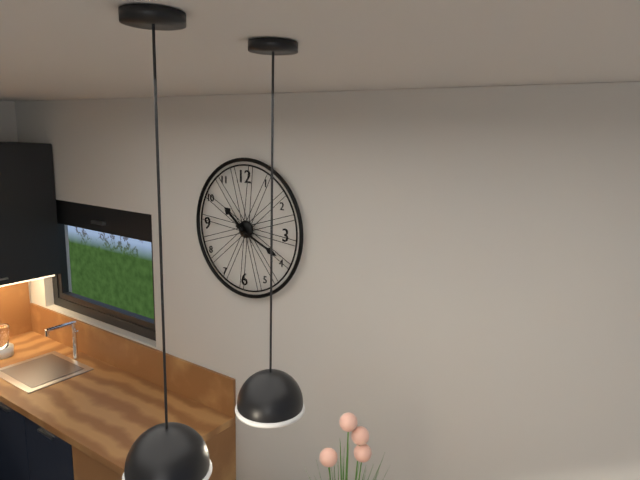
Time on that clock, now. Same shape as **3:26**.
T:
**10:19**
